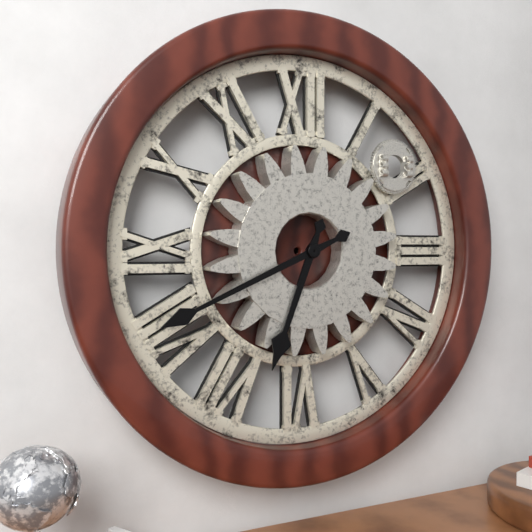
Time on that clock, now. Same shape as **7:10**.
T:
**6:41**
